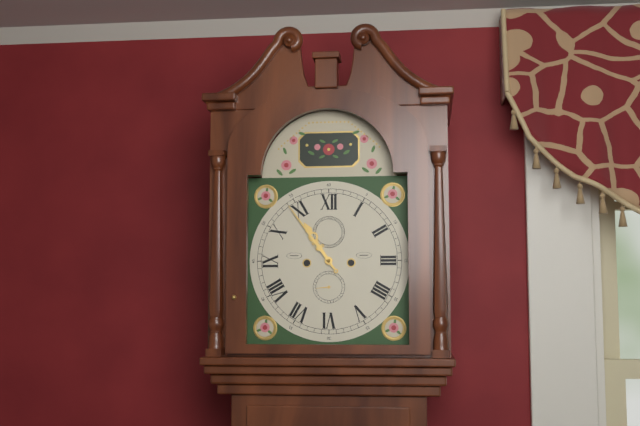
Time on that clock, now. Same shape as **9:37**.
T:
**10:54**
